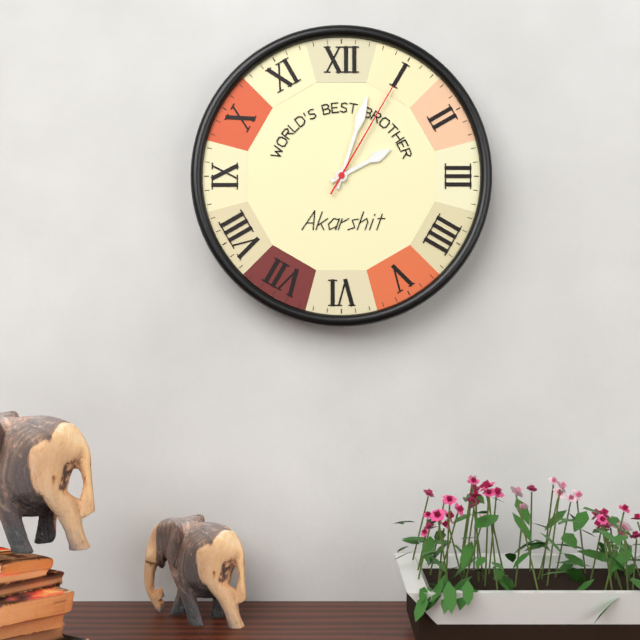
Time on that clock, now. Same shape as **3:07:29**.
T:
**2:03:05**
